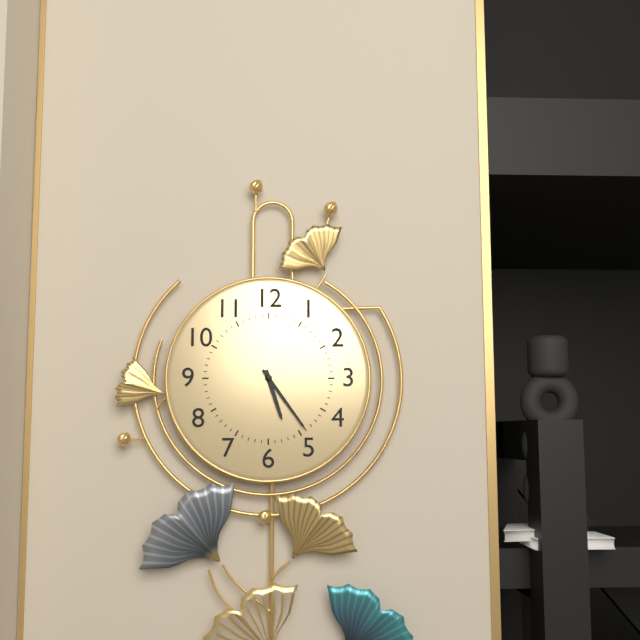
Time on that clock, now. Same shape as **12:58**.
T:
**5:24**
